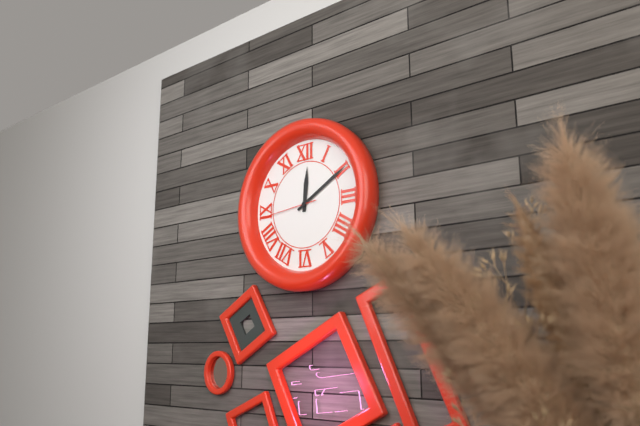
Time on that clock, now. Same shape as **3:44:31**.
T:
**12:10:44**
